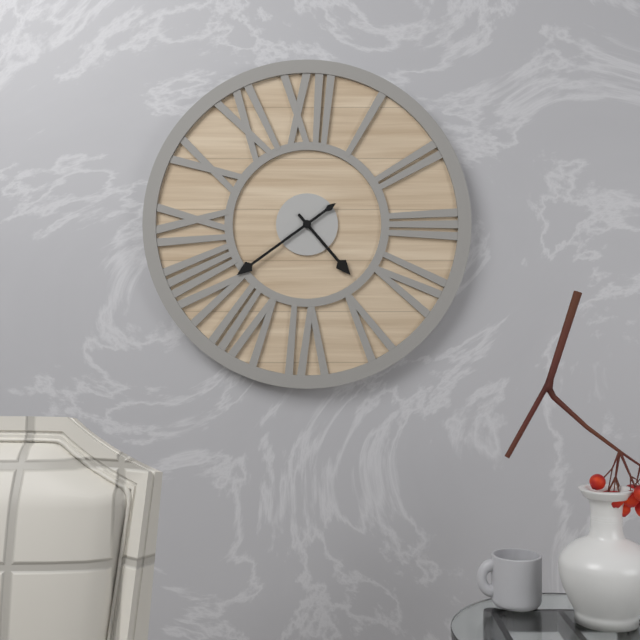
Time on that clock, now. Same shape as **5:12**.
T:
**4:39**
